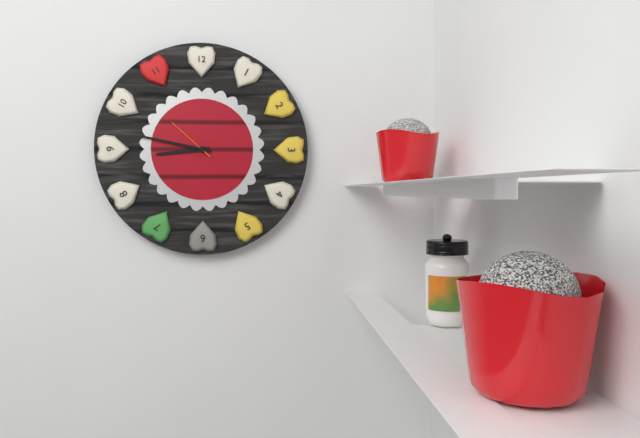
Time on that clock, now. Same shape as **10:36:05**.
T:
**8:47:52**
